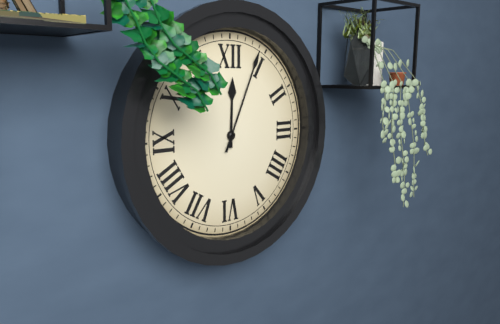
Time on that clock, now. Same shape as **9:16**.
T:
**12:04**
